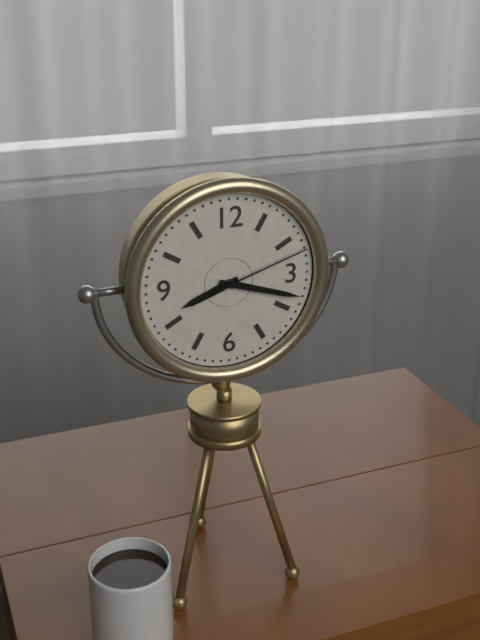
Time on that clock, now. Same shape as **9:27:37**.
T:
**8:18:12**
